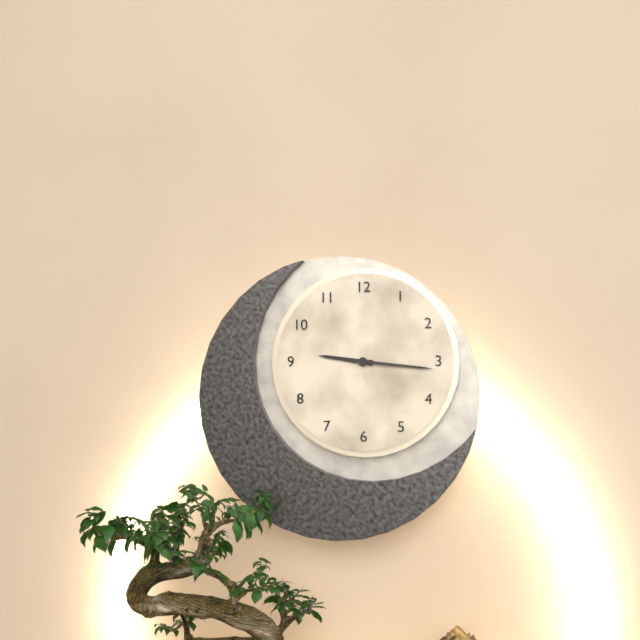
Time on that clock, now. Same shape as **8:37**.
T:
**9:16**
